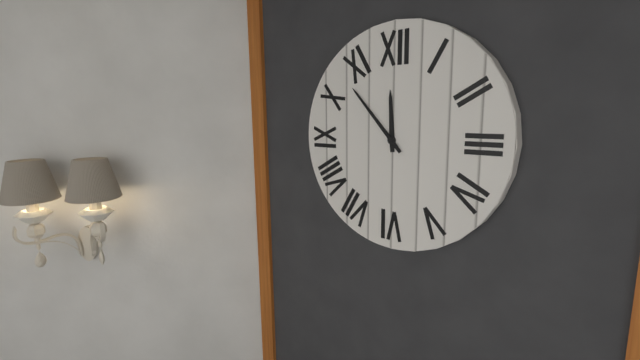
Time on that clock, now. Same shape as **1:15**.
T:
**11:53**
